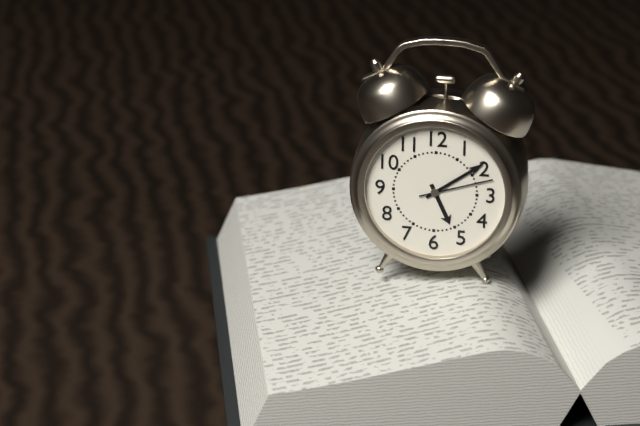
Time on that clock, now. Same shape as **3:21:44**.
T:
**5:09:12**
